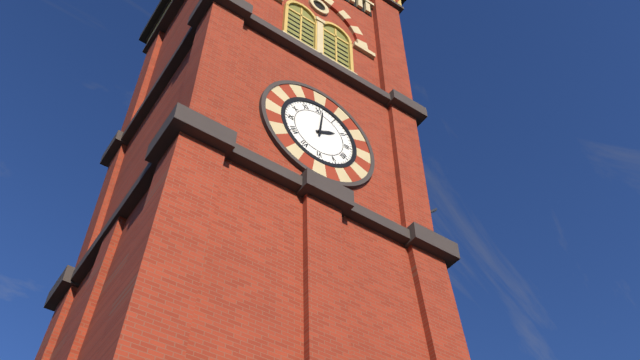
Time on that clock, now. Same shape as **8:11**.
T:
**2:01**
